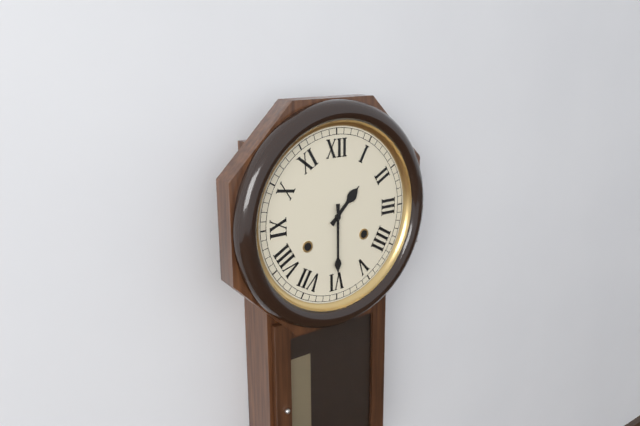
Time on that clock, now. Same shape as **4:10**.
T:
**1:30**
